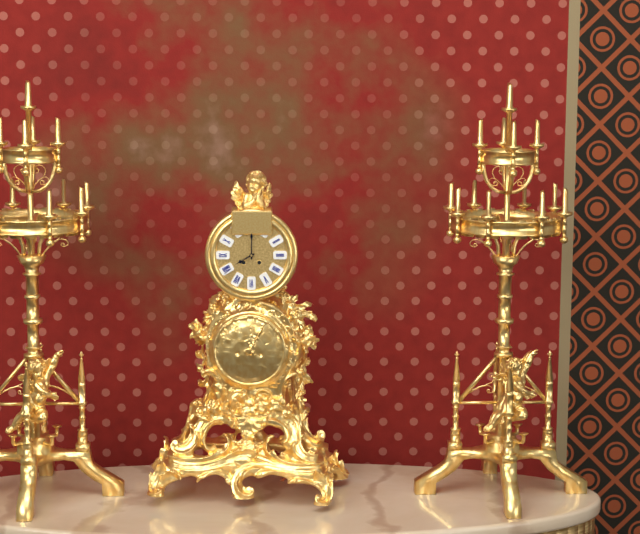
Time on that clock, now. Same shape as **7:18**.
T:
**8:00**
